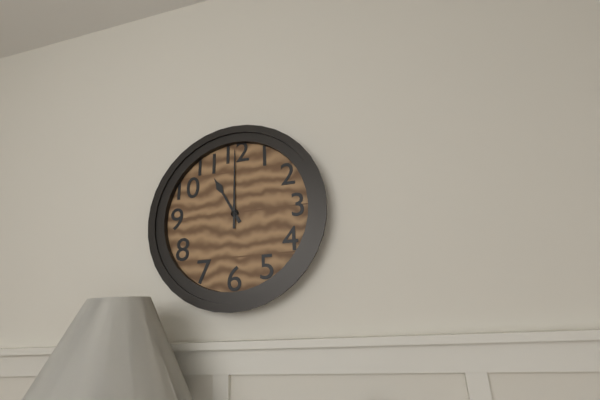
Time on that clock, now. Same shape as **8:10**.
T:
**11:00**
